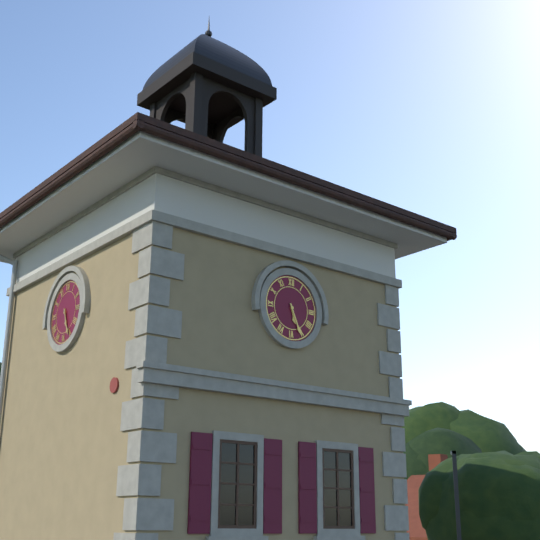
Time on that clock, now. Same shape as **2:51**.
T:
**5:26**
